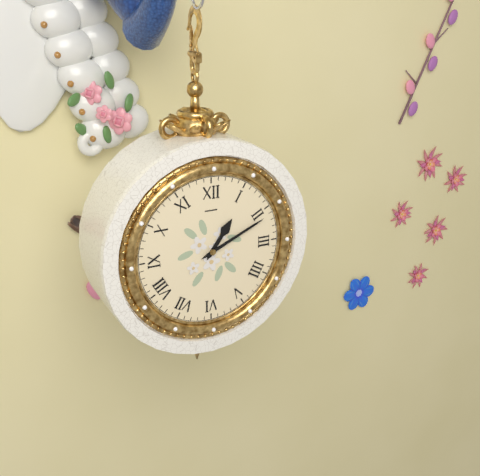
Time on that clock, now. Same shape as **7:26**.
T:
**1:11**
